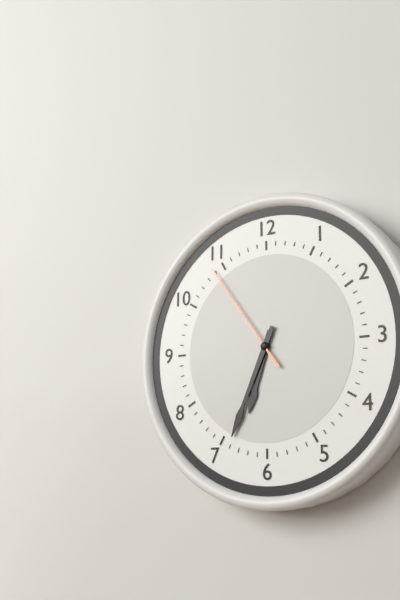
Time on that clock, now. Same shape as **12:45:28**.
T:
**6:34:54**
